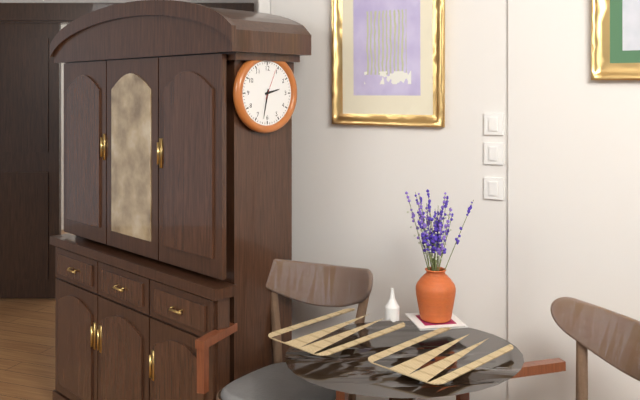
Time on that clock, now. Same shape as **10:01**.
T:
**2:32**
